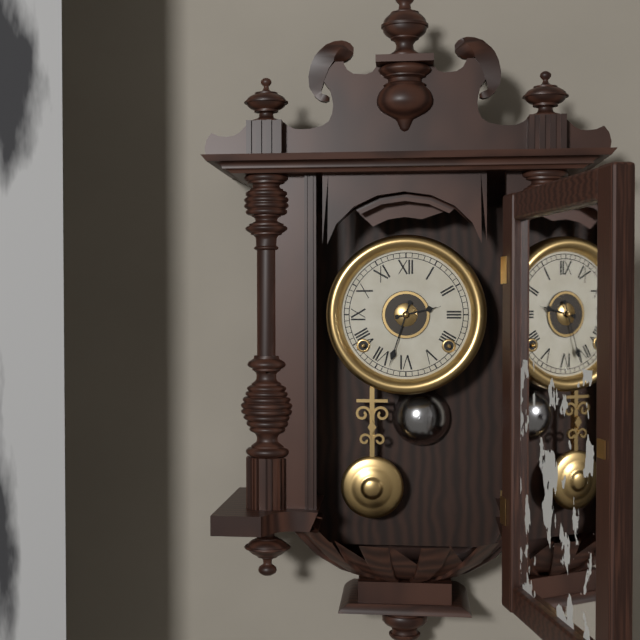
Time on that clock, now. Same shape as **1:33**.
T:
**2:33**
